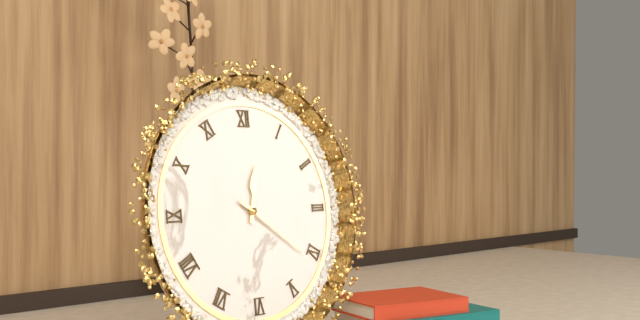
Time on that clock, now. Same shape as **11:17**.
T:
**12:21**
